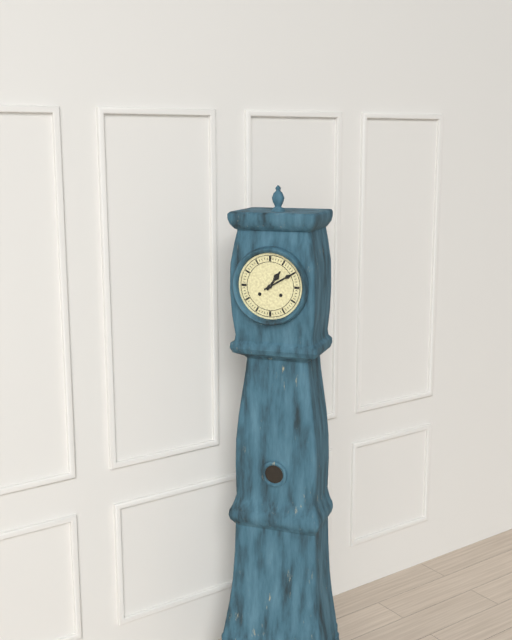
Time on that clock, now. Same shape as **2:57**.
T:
**1:10**
